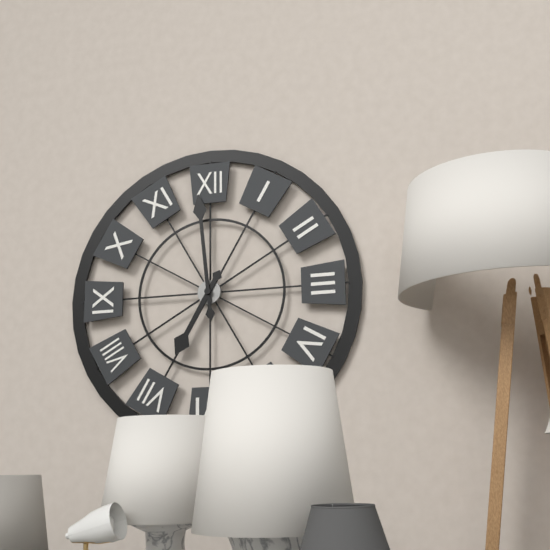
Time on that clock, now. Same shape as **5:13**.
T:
**6:59**
